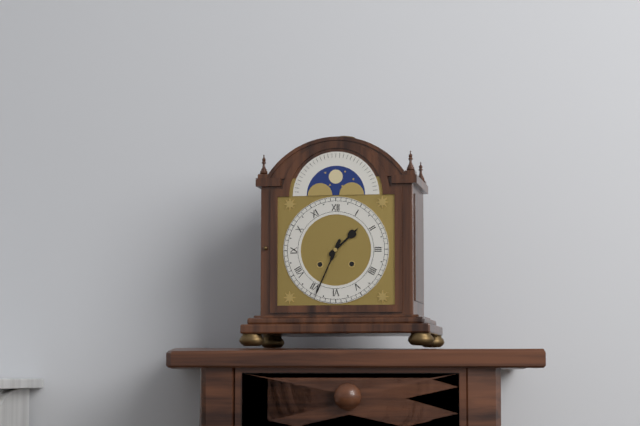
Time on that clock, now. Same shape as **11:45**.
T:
**1:34**
